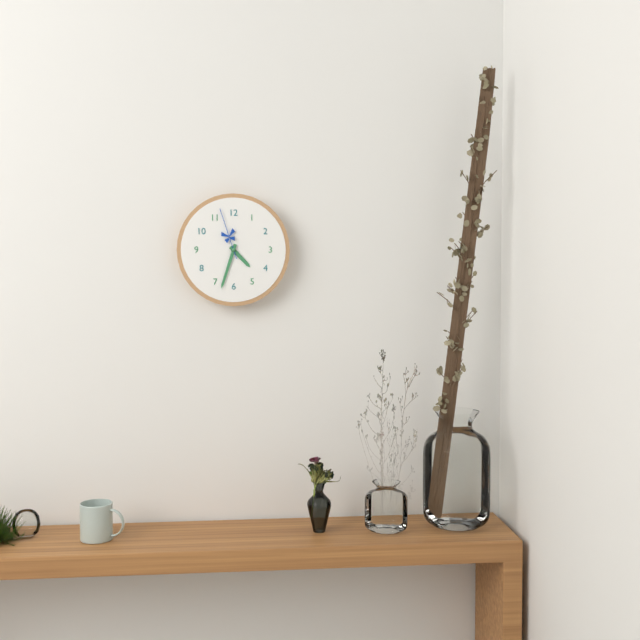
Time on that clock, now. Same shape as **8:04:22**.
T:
**4:33:57**
